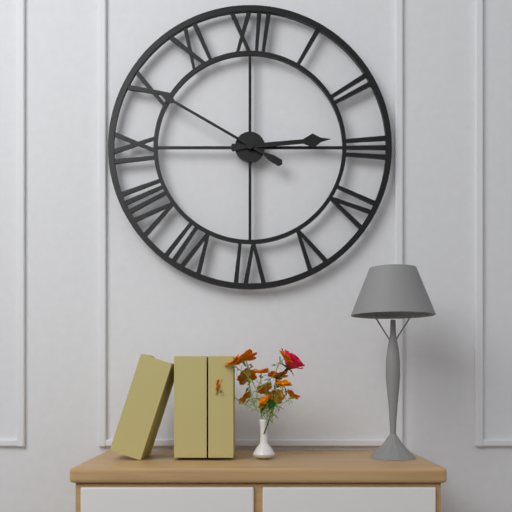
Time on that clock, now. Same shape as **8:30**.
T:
**2:50**
